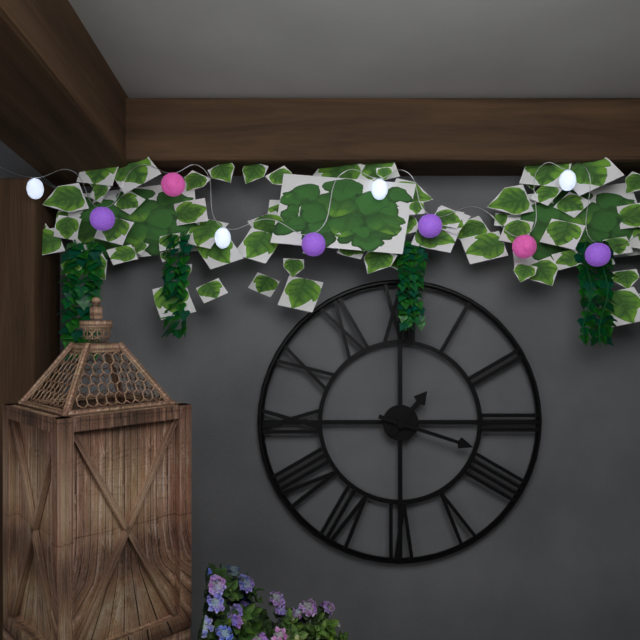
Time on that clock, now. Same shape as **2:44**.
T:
**1:18**
